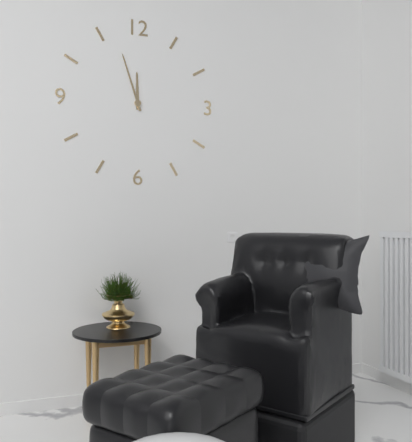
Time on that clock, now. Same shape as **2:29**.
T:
**11:57**
